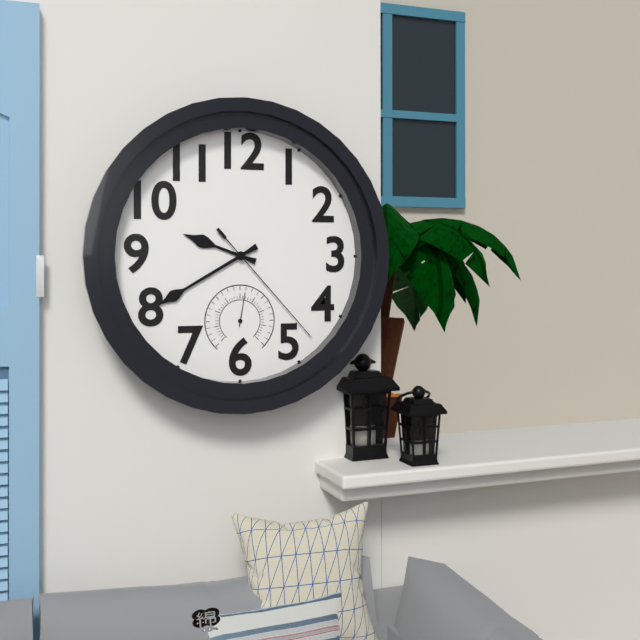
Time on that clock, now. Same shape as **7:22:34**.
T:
**9:40:23**
